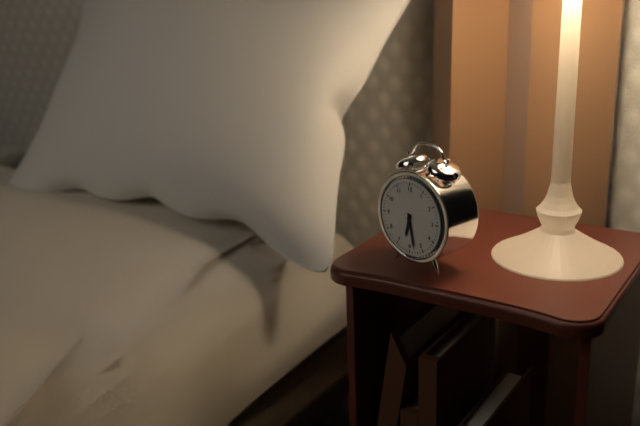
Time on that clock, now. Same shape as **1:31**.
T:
**6:28**
